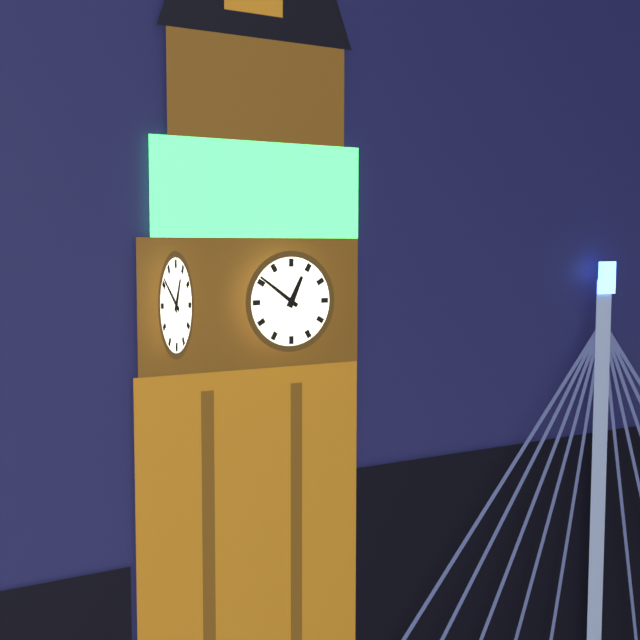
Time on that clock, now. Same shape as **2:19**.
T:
**12:51**
